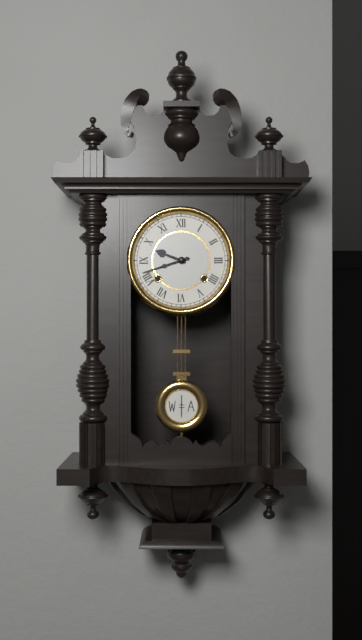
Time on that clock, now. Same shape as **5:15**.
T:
**9:42**
